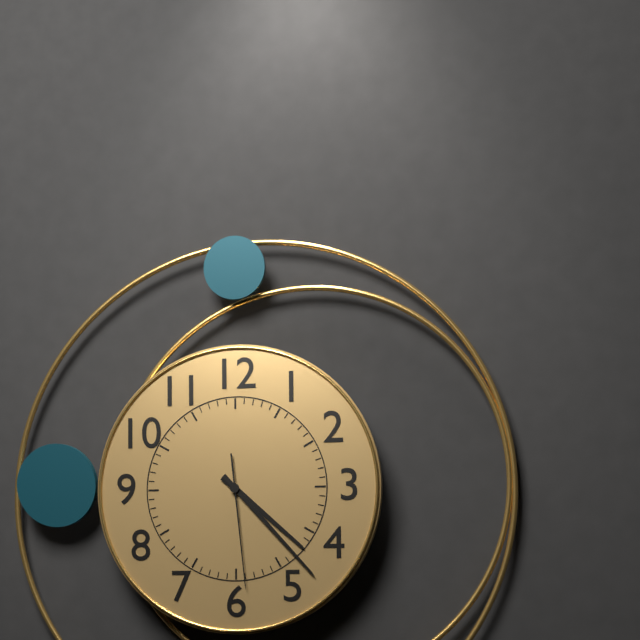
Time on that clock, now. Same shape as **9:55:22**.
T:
**4:23:29**
